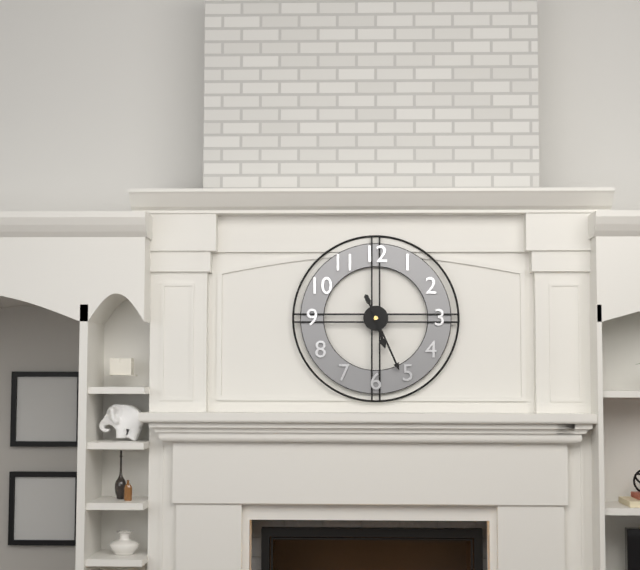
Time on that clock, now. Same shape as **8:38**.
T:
**5:26**
